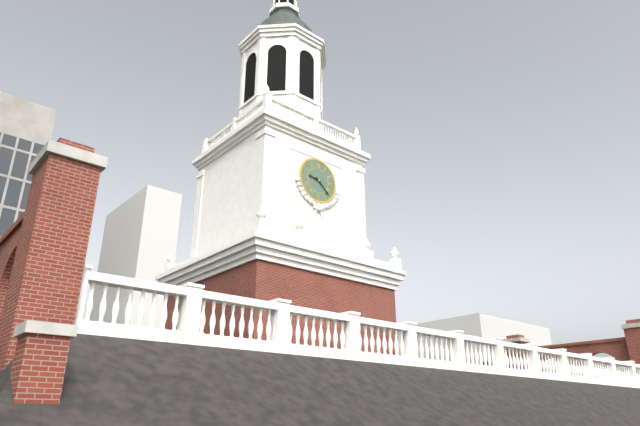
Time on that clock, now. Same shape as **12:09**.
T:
**9:22**
